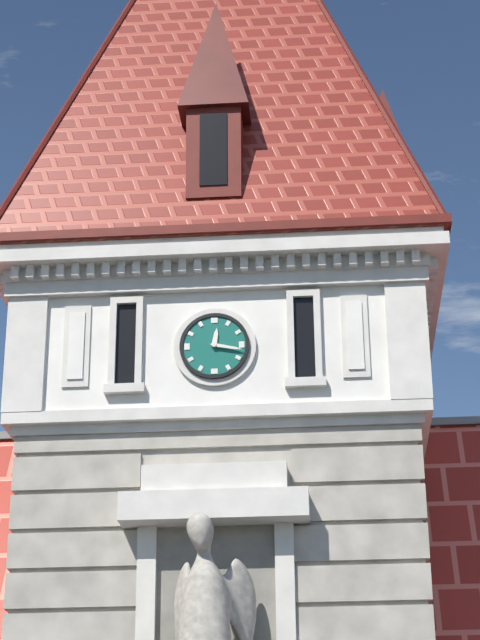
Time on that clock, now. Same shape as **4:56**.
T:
**12:17**
